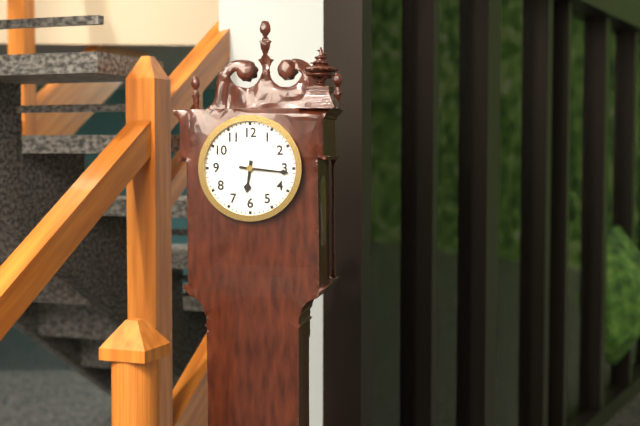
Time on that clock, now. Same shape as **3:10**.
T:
**6:16**
